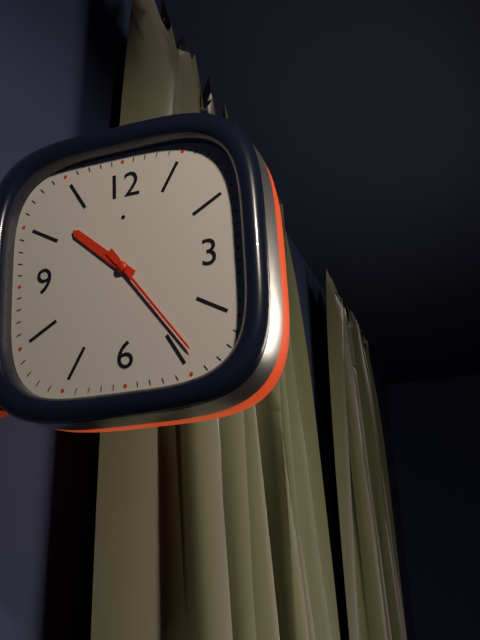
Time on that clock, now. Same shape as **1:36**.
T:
**10:24**
